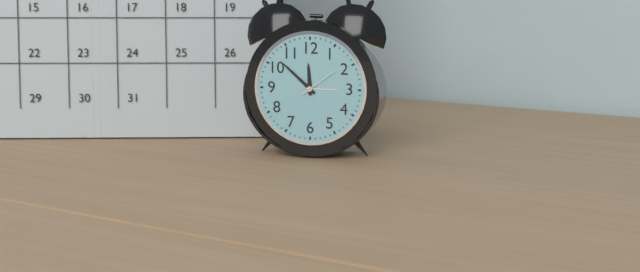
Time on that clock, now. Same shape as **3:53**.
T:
**11:52**
